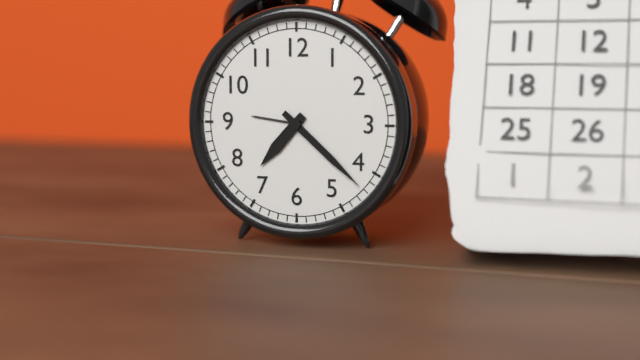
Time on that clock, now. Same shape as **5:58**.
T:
**7:22**
